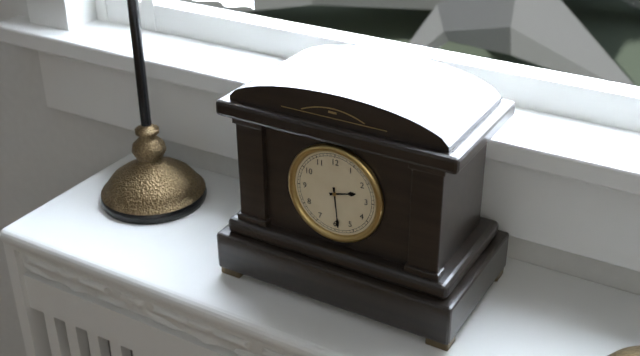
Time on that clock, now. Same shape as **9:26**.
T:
**2:29**
